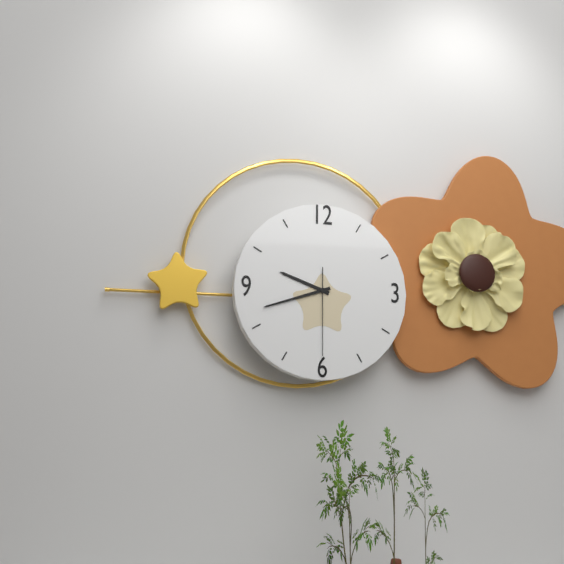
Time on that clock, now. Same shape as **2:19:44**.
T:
**9:42:30**
